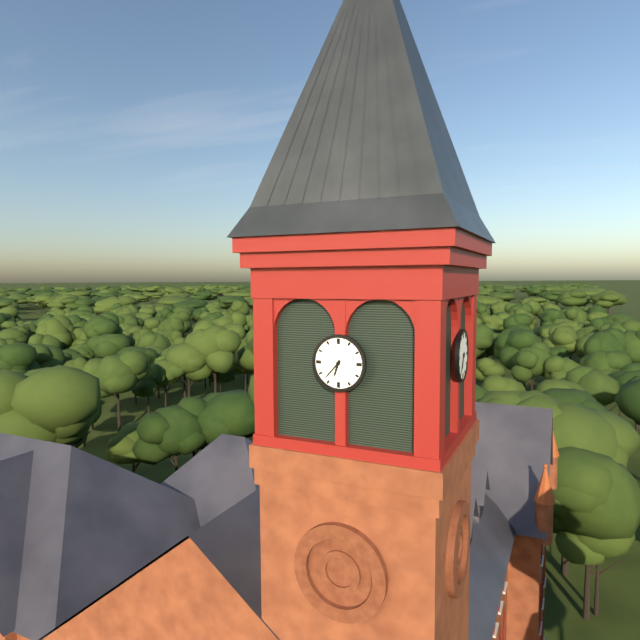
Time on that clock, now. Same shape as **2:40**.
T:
**6:37**
